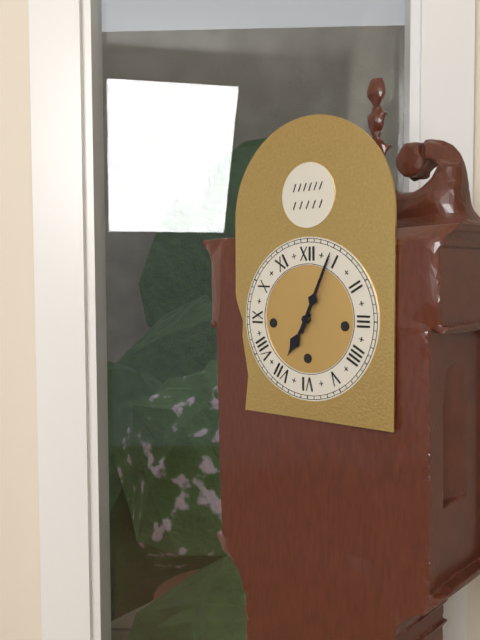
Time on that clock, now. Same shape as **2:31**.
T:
**7:04**
